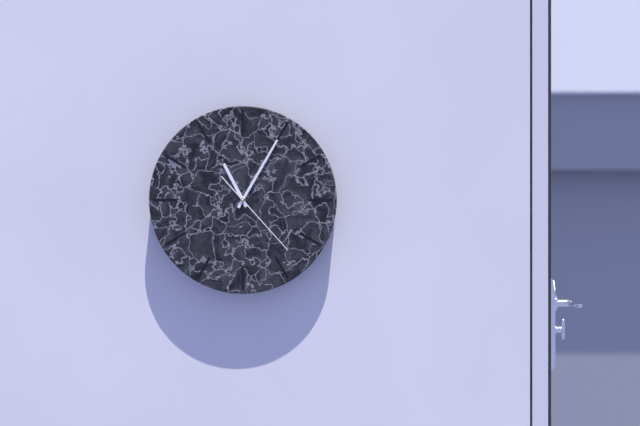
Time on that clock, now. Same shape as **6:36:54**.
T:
**11:05:23**
